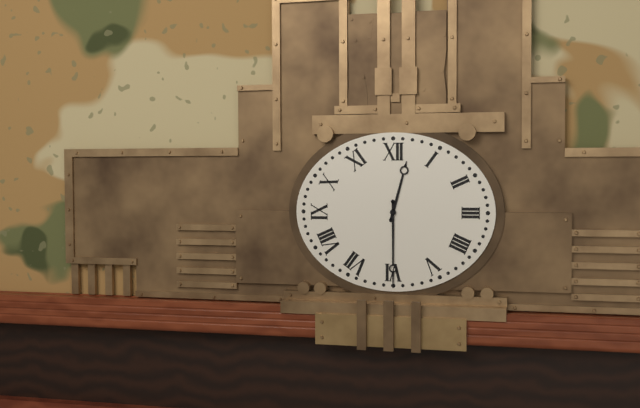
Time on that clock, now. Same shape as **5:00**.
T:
**12:30**
